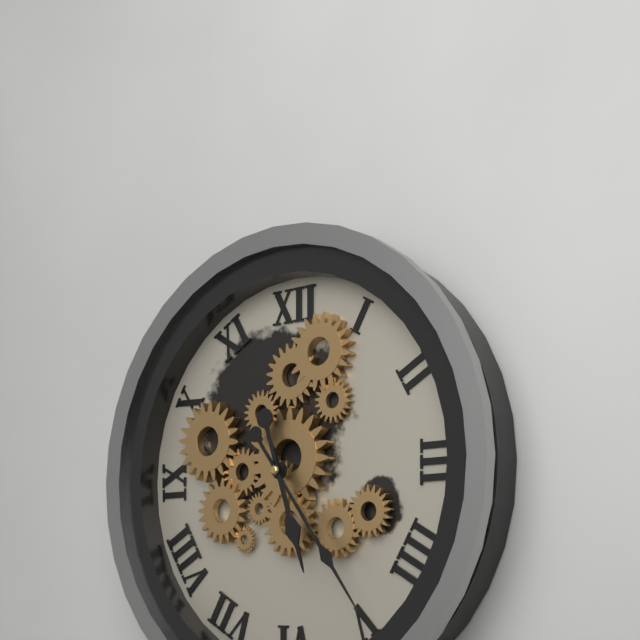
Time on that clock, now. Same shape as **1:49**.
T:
**5:24**
